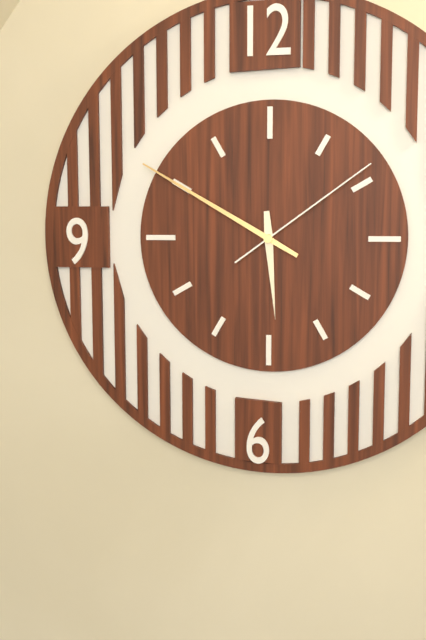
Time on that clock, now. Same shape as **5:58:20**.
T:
**5:50:09**
